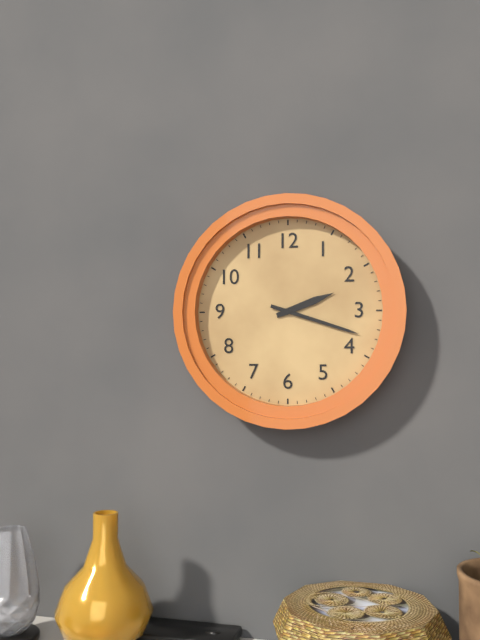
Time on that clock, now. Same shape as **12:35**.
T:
**2:18**
